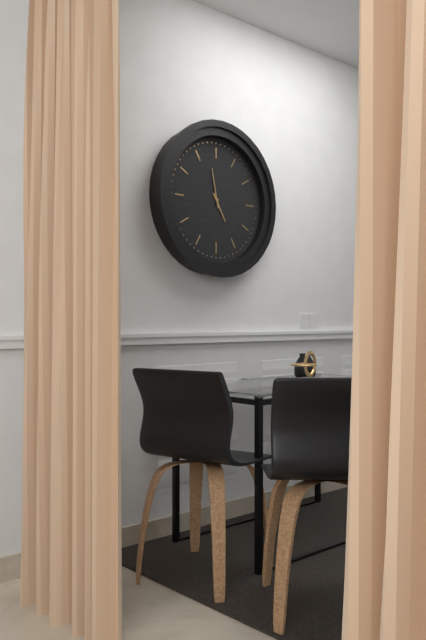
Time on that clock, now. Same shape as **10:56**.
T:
**4:58**
